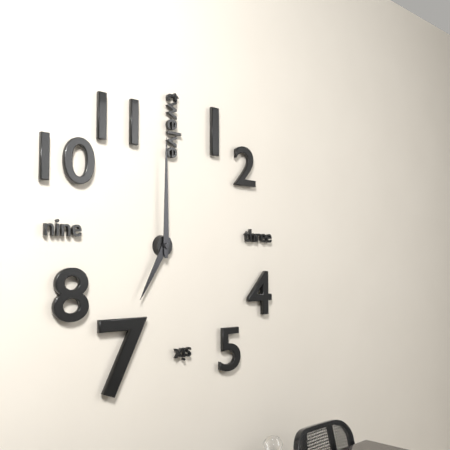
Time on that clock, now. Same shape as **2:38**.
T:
**7:00**
